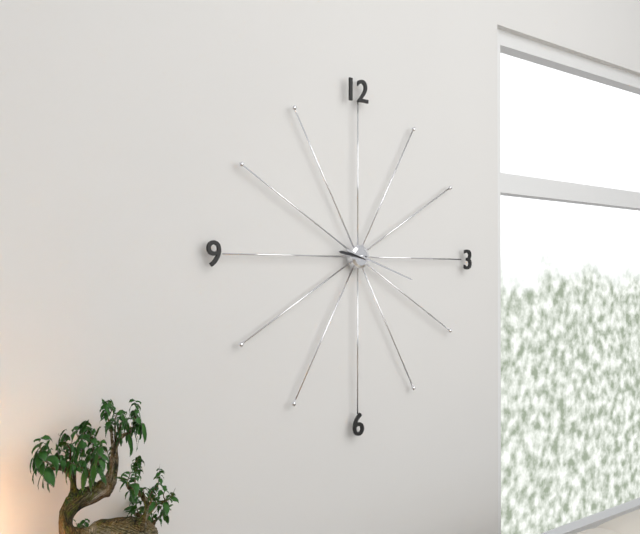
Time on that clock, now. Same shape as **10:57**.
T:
**9:18**
